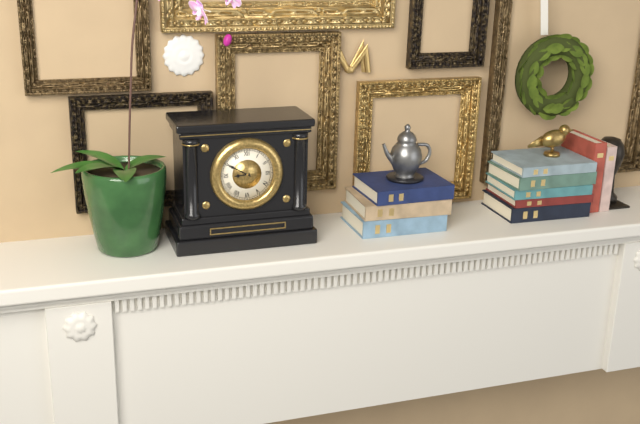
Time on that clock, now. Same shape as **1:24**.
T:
**8:50**
